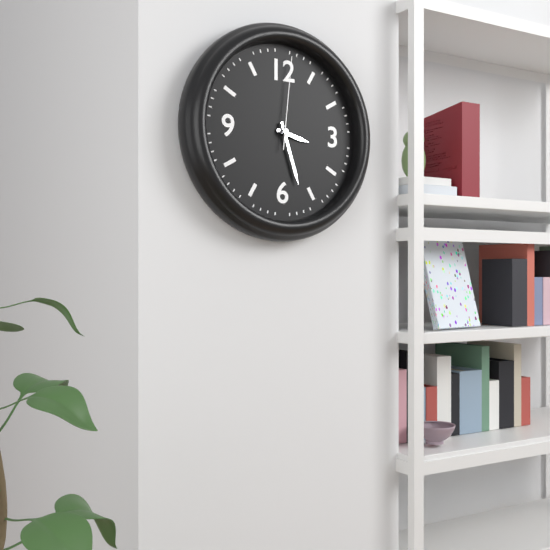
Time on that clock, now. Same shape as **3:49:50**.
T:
**3:27:01**
